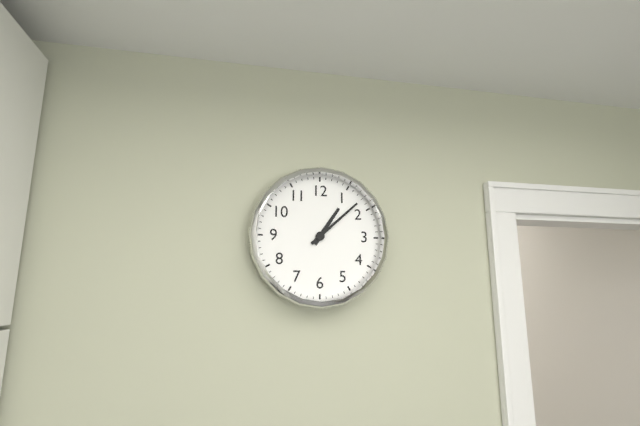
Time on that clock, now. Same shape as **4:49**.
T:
**1:08**
